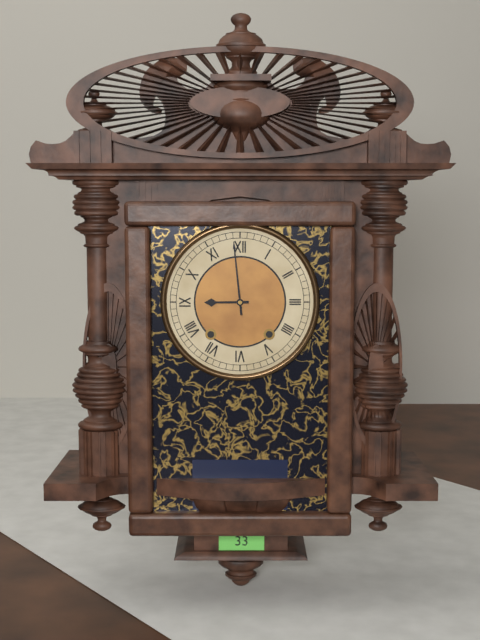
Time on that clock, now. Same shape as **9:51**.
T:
**8:59**
